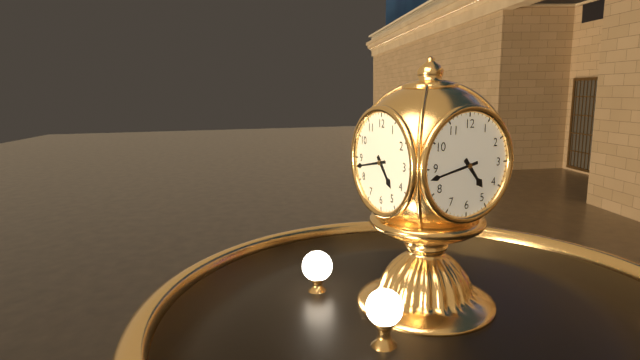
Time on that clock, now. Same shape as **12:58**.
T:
**4:43**
